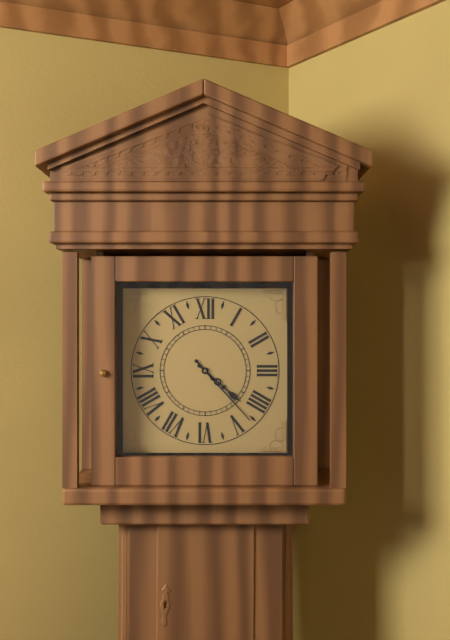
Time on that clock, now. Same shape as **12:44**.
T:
**4:23**
